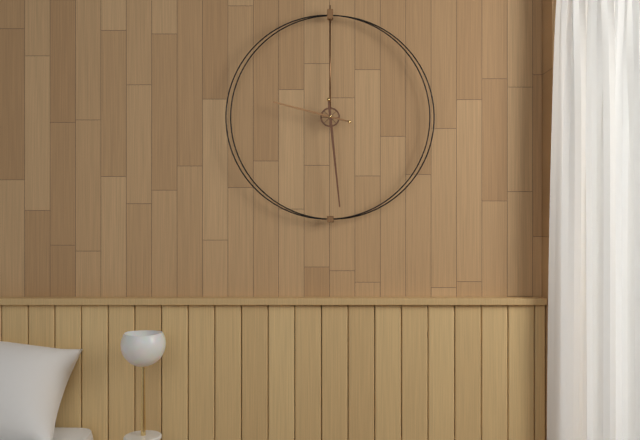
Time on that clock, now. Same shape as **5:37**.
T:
**9:29**
